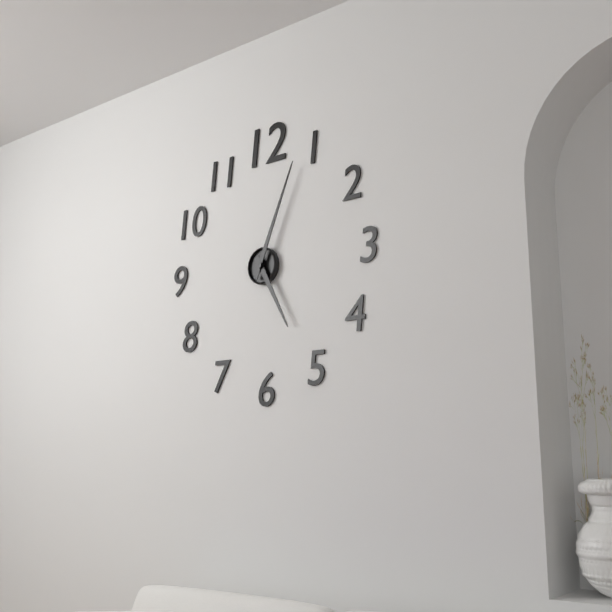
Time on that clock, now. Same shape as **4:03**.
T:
**5:04**
